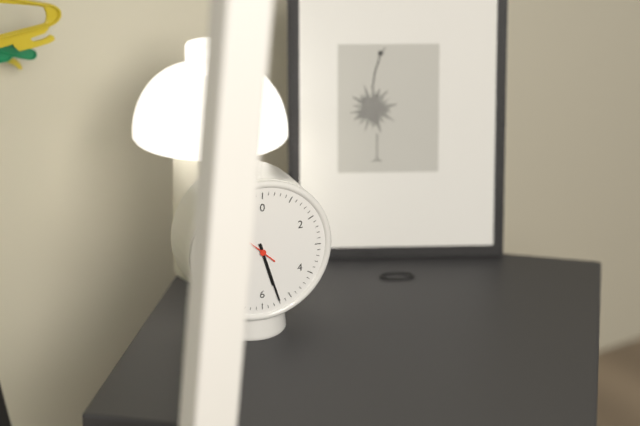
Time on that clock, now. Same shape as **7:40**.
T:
**5:27**
